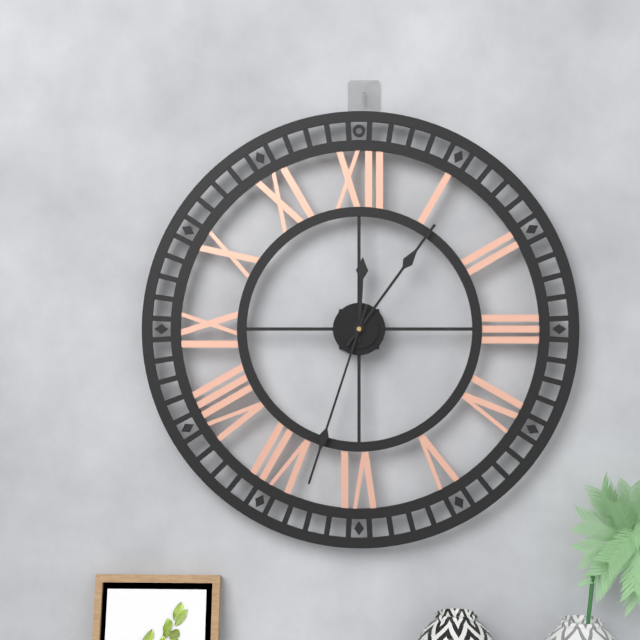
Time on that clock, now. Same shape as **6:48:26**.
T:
**12:06:33**
